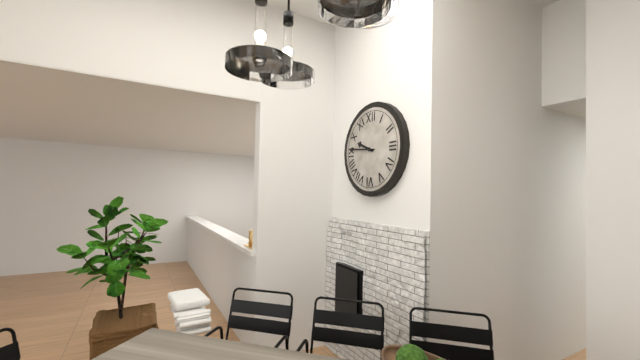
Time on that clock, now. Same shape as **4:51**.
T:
**9:46**
